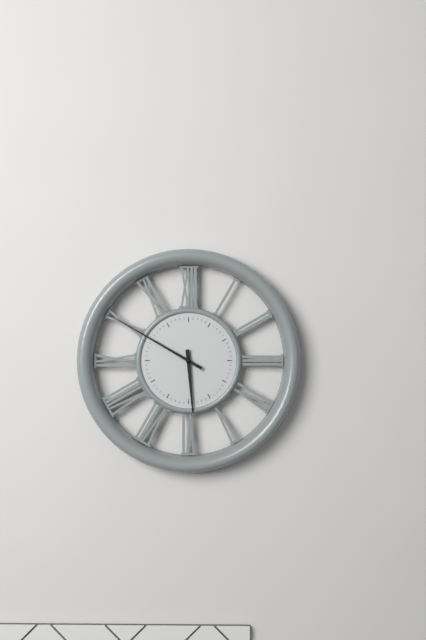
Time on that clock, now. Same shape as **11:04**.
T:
**5:50**
